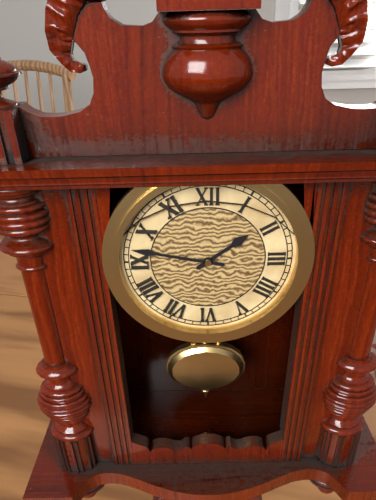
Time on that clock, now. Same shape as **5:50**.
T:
**1:47**
